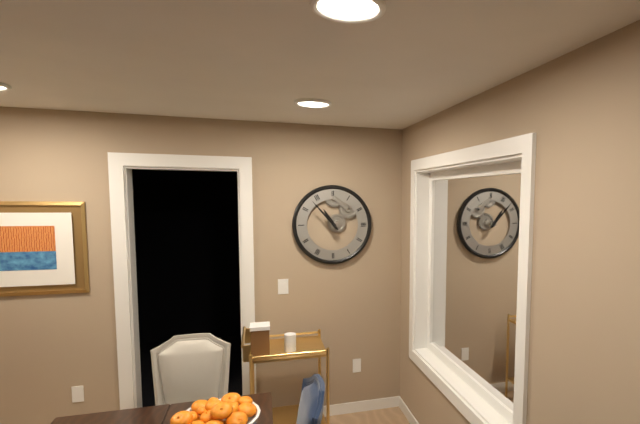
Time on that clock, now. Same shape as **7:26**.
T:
**10:53**
